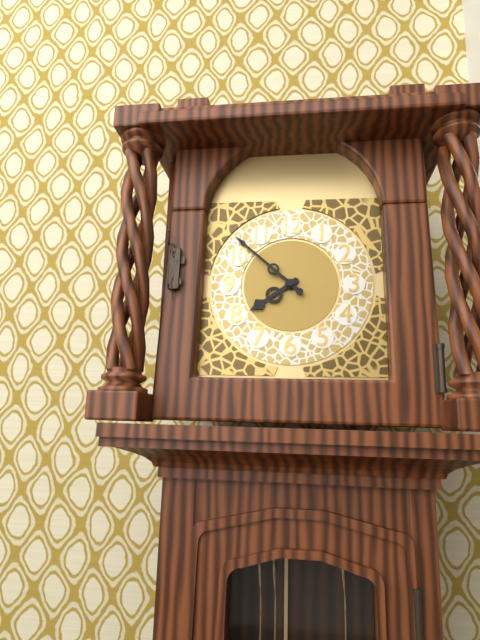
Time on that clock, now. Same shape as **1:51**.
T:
**7:52**
